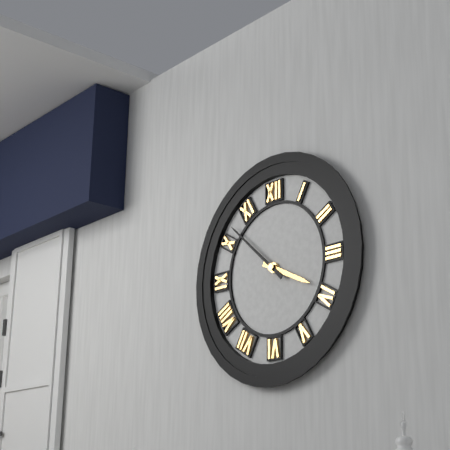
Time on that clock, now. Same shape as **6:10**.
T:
**3:52**
